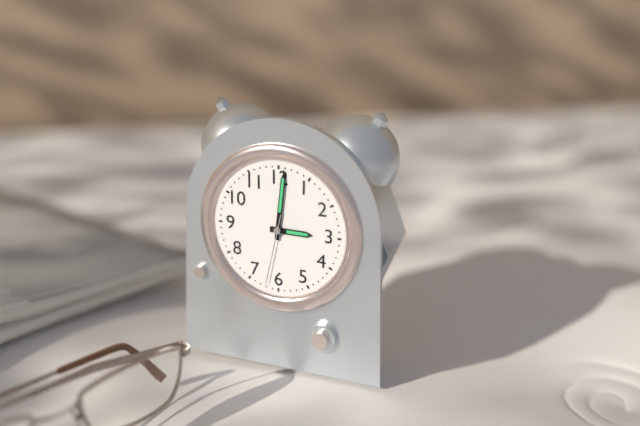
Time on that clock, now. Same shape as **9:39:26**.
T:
**3:01:32**
